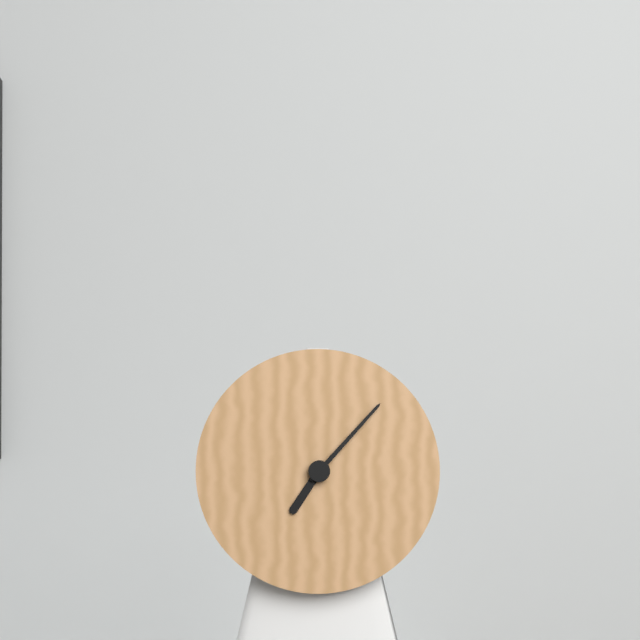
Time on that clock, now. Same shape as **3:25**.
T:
**7:07**
